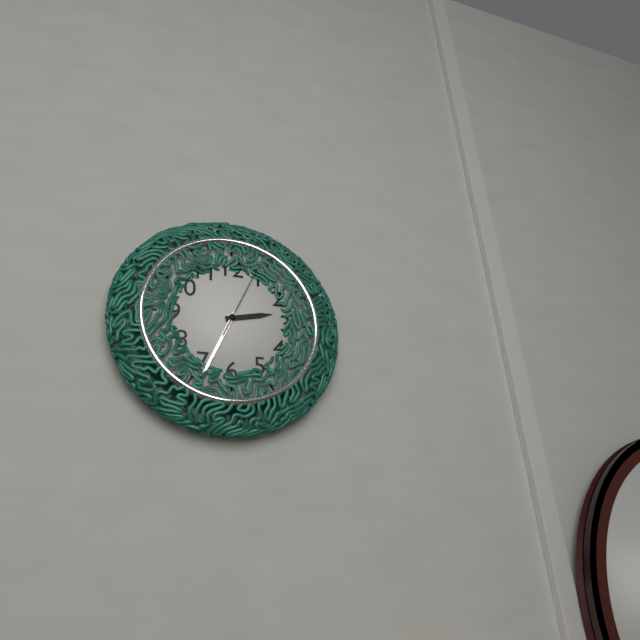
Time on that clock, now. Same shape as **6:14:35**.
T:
**2:34:04**
